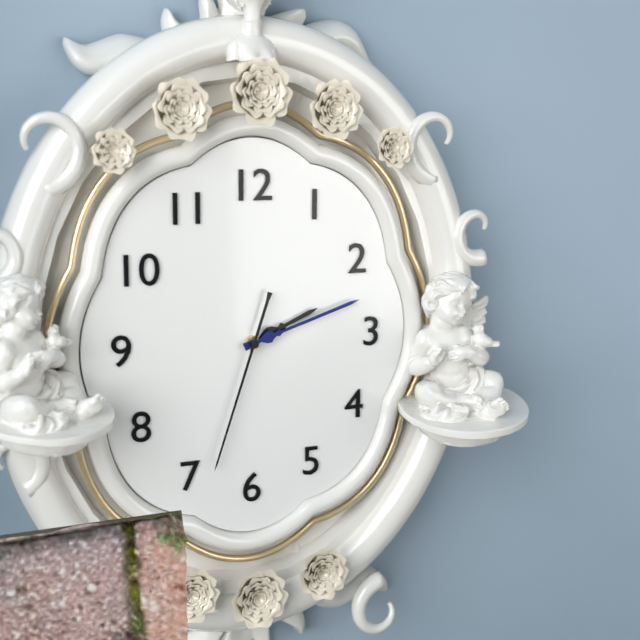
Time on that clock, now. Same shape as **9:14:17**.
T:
**2:12:33**
